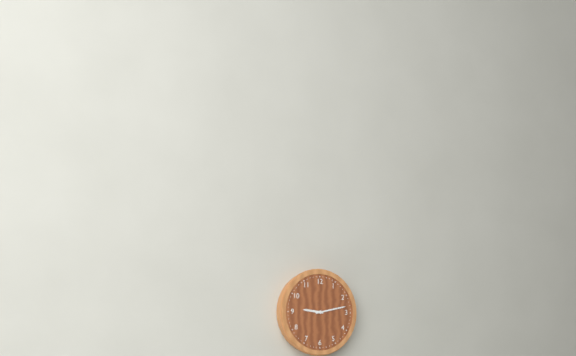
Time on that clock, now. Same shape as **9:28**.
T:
**9:13**
